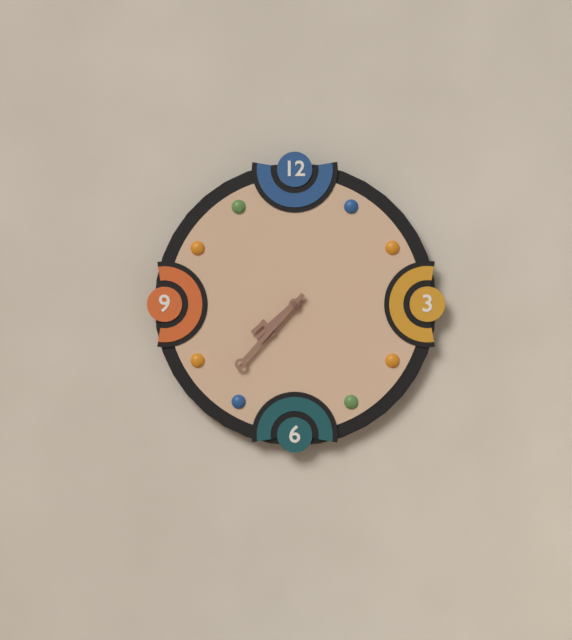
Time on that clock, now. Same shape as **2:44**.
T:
**7:37**
